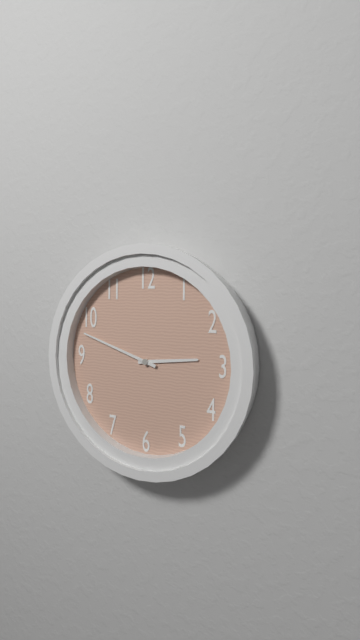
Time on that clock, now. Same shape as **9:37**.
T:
**2:48**
